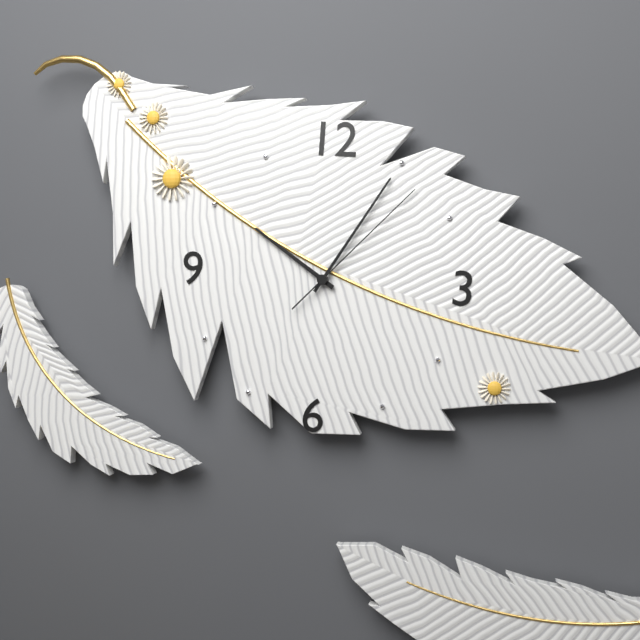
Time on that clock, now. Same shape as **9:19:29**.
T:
**10:05:07**
